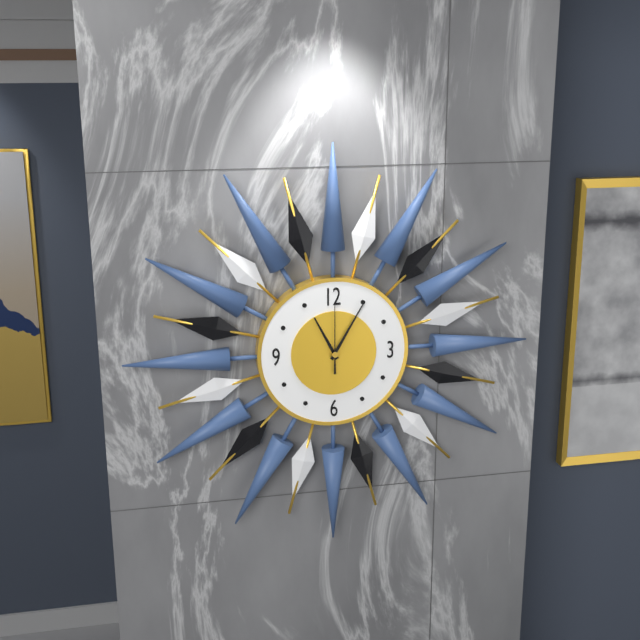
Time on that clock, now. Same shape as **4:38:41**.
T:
**11:05:00**
